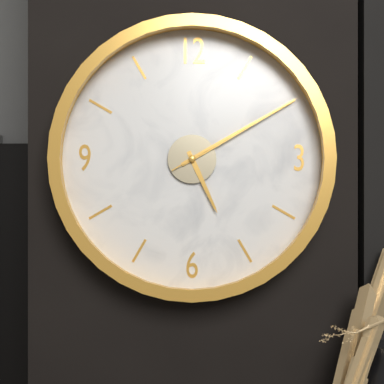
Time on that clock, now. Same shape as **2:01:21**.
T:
**5:10:10**
